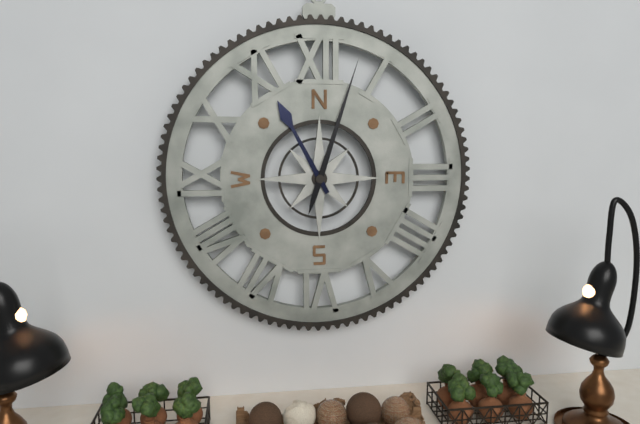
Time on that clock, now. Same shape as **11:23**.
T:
**11:03**
